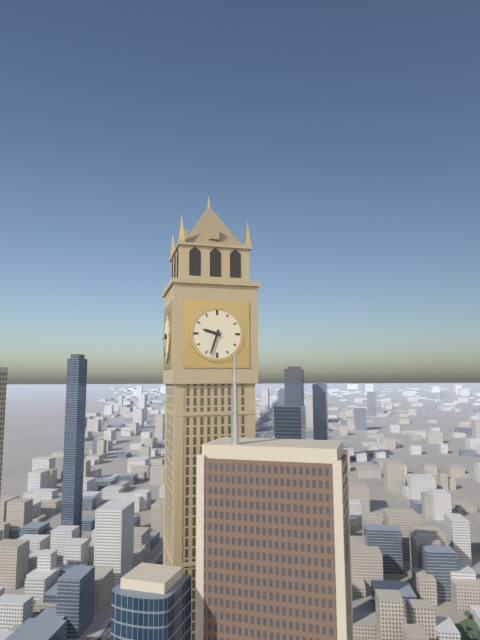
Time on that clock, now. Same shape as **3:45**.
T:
**9:33**
